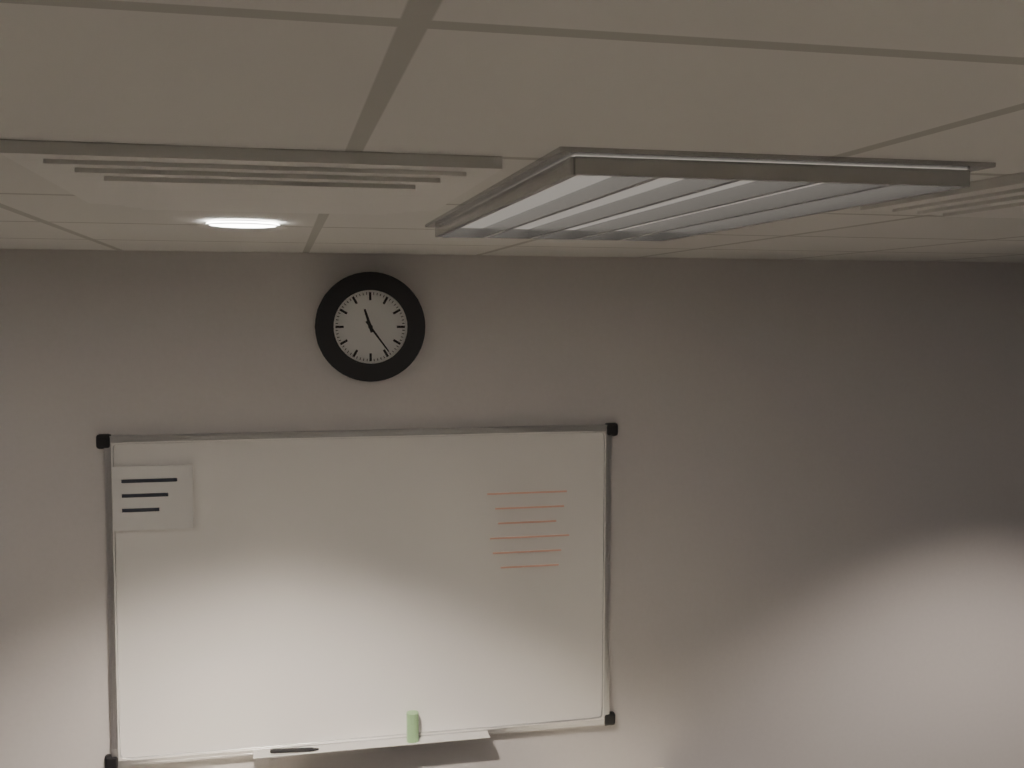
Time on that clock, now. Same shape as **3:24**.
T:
**11:24**
